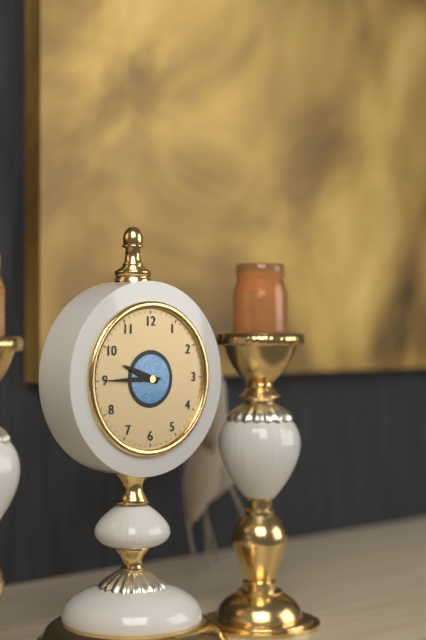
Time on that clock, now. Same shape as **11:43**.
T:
**9:45**
